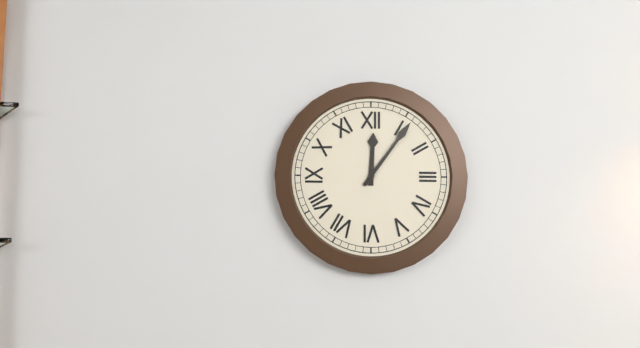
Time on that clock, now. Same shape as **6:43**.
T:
**12:06**
